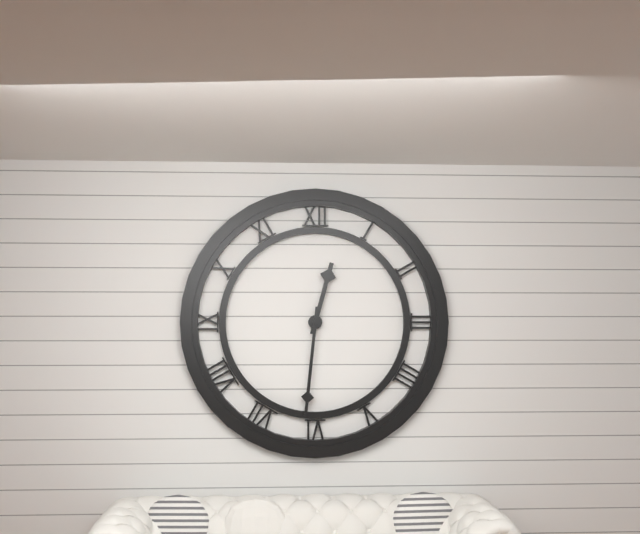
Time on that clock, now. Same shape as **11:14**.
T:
**12:31**
